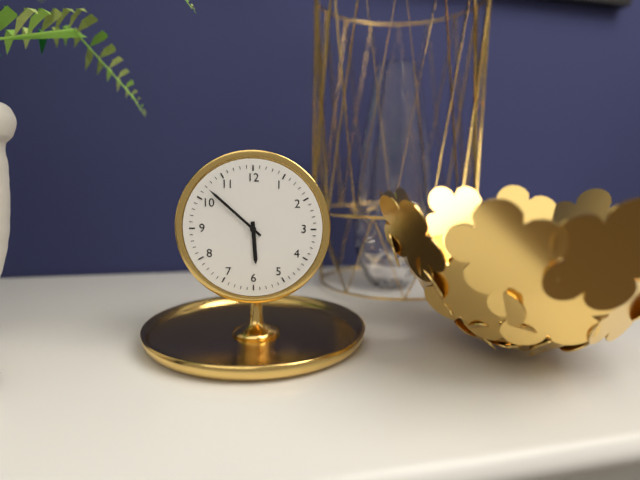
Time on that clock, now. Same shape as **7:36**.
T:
**5:52**
